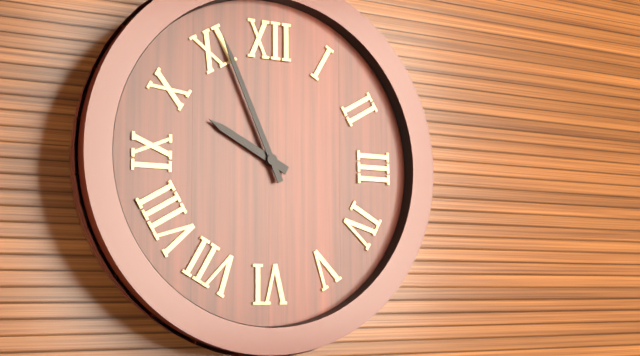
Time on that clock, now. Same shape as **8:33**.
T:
**9:56**
